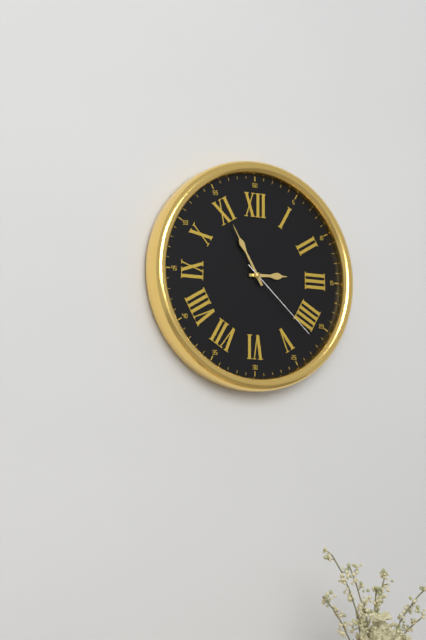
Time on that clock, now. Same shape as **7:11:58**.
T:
**2:55:22**
